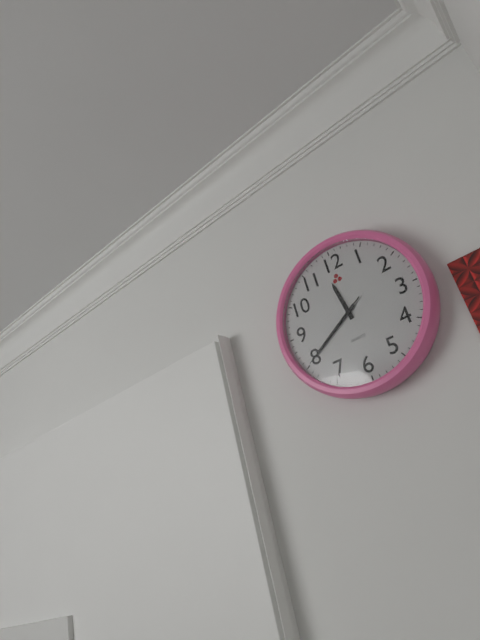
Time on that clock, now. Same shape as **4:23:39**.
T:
**11:40:40**
